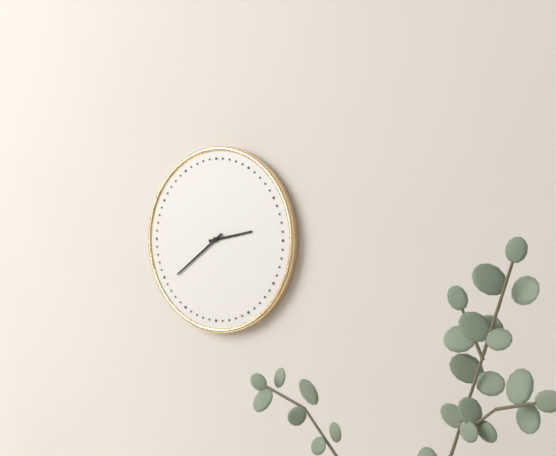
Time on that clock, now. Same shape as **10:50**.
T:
**2:39**
